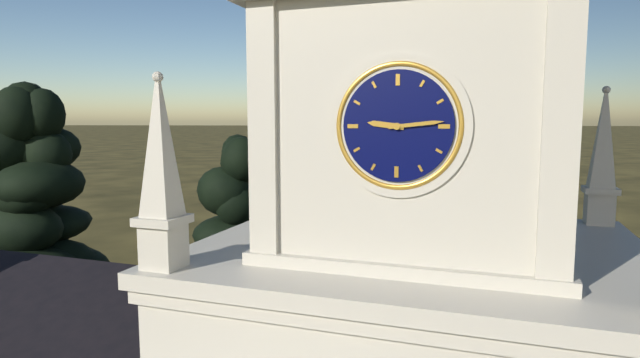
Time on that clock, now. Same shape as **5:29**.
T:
**9:14**
